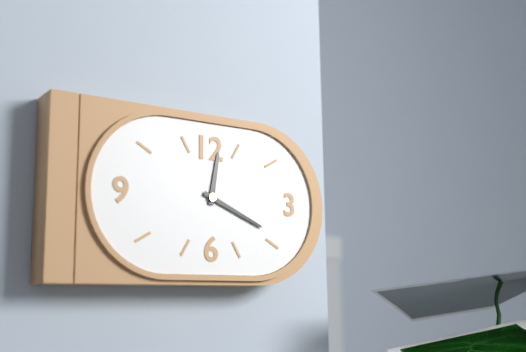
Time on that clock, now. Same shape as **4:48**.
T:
**12:19**
